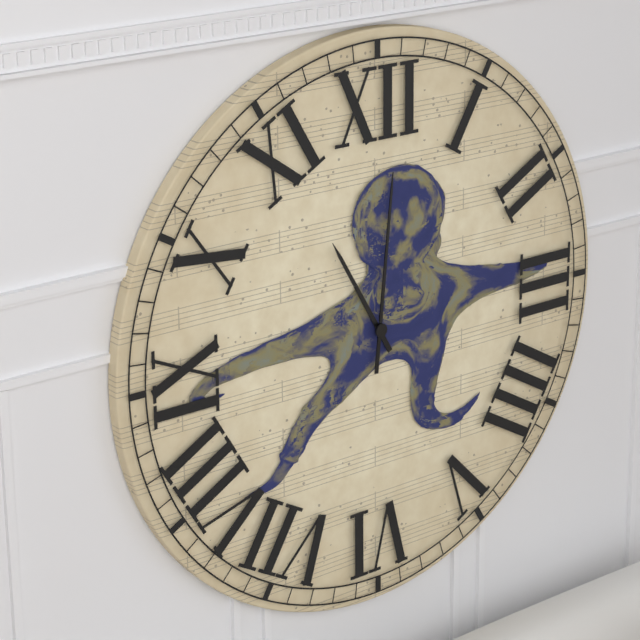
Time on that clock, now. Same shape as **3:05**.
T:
**11:01**
